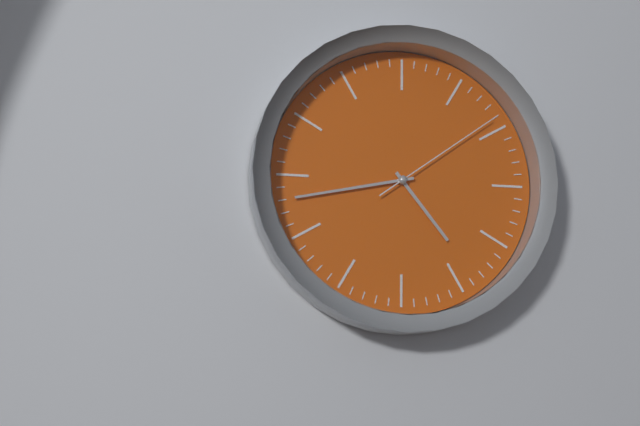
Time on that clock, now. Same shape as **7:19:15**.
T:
**4:43:09**
